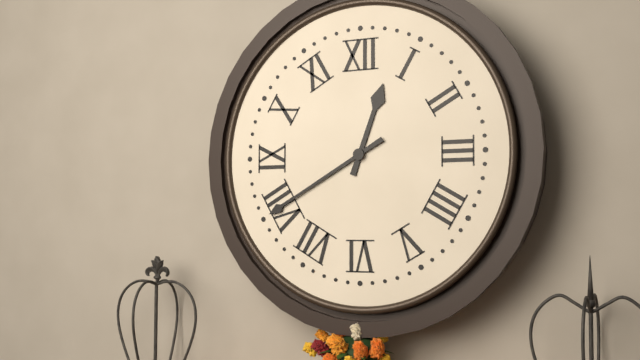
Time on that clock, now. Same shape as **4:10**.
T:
**12:40**
